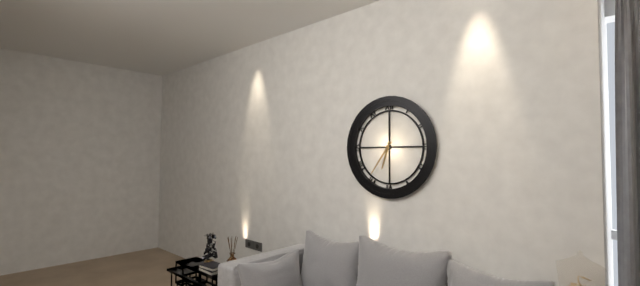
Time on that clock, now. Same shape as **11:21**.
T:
**6:36**
